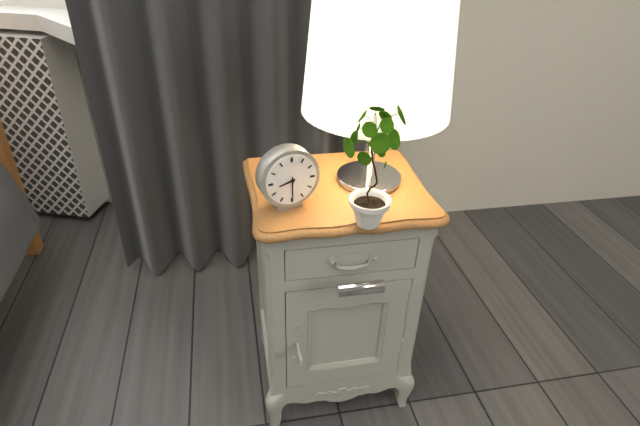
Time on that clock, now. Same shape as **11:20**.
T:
**8:30**
